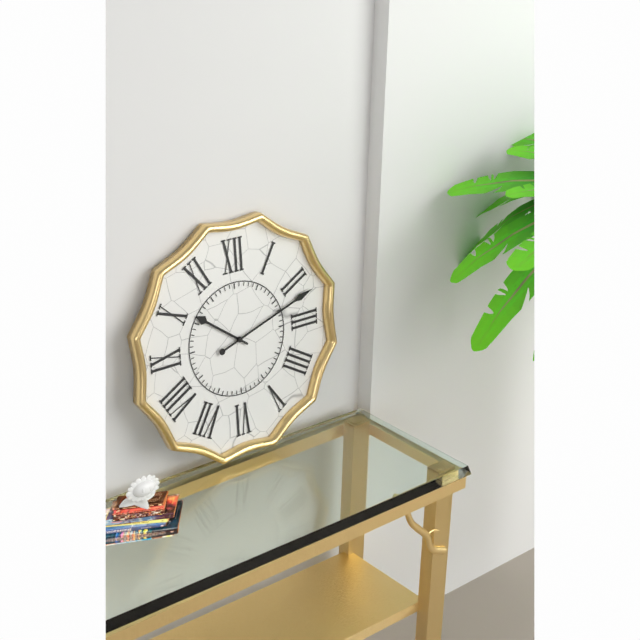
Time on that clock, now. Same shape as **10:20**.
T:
**10:12**
